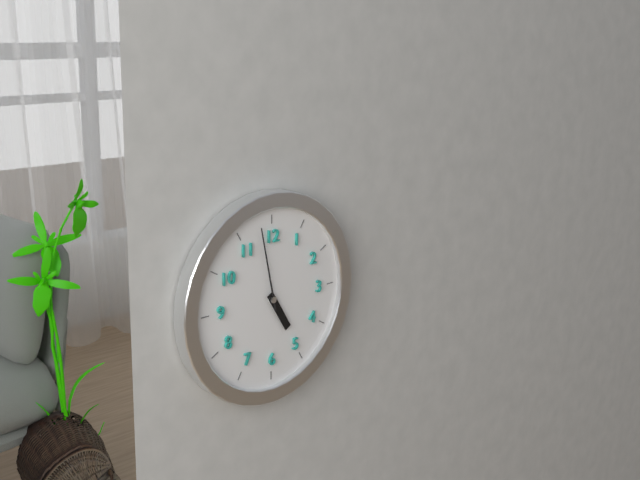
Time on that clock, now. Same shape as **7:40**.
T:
**4:58**
